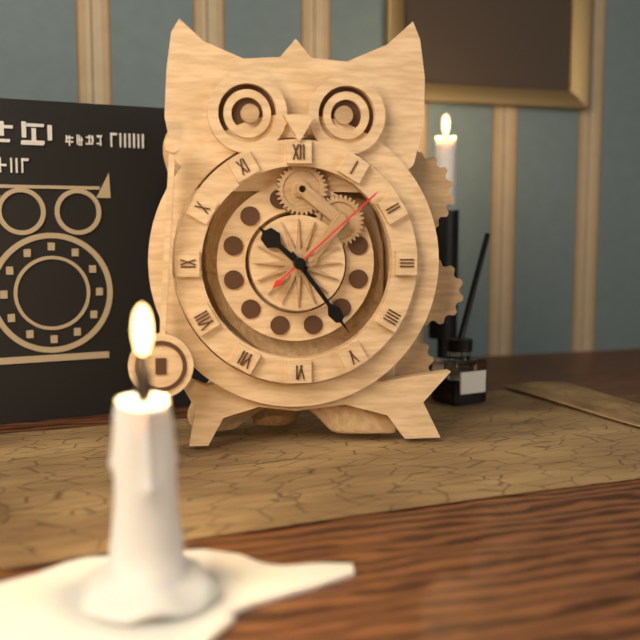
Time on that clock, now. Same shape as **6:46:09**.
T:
**10:24:08**
